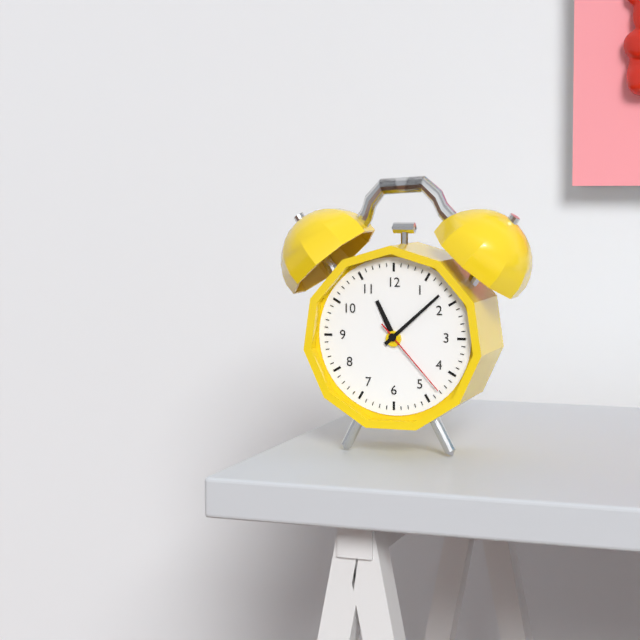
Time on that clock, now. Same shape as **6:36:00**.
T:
**11:08:23**
